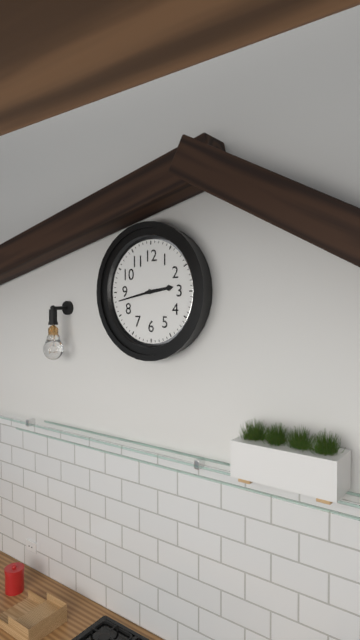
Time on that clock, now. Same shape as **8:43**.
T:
**2:43**
